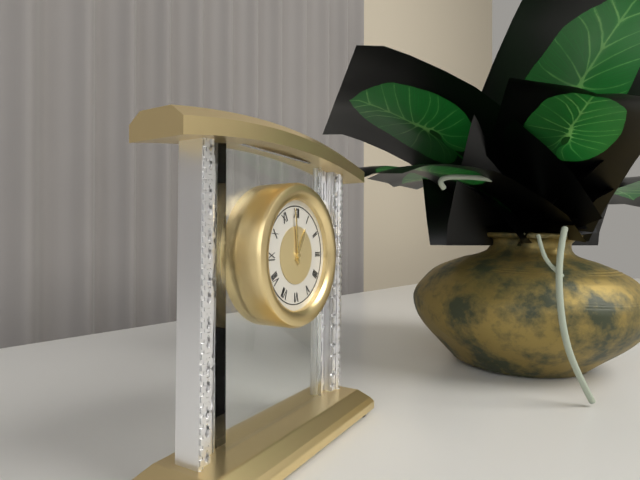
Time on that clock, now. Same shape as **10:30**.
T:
**12:59**
